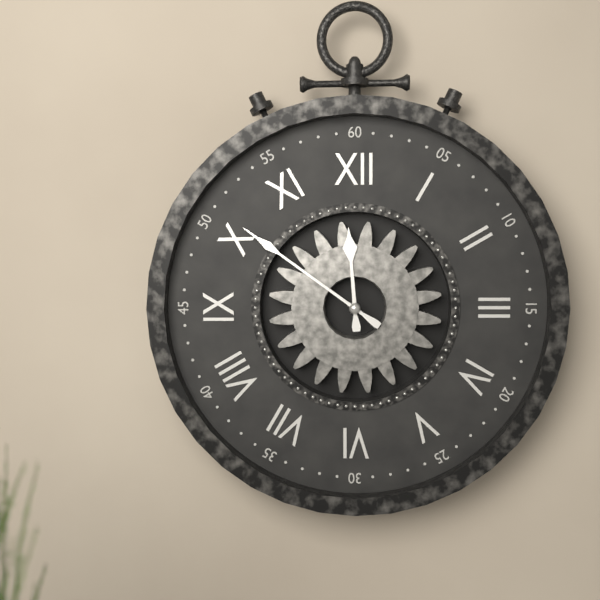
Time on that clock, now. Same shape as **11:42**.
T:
**11:51**
